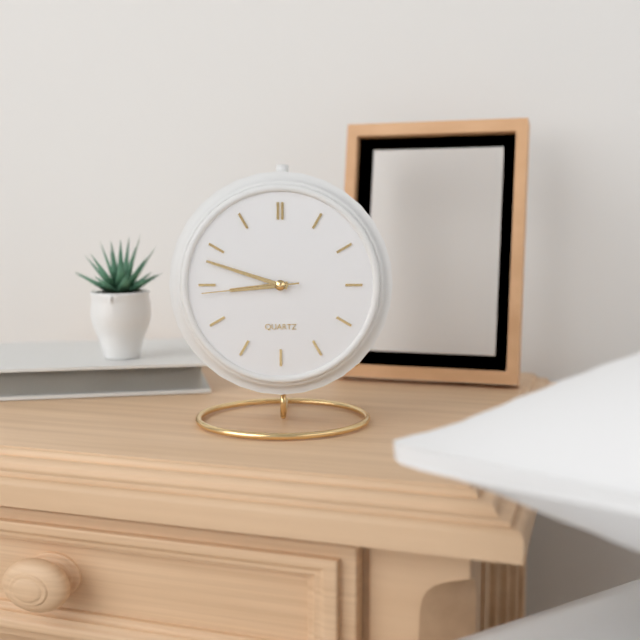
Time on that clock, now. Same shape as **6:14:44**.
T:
**8:48:44**
